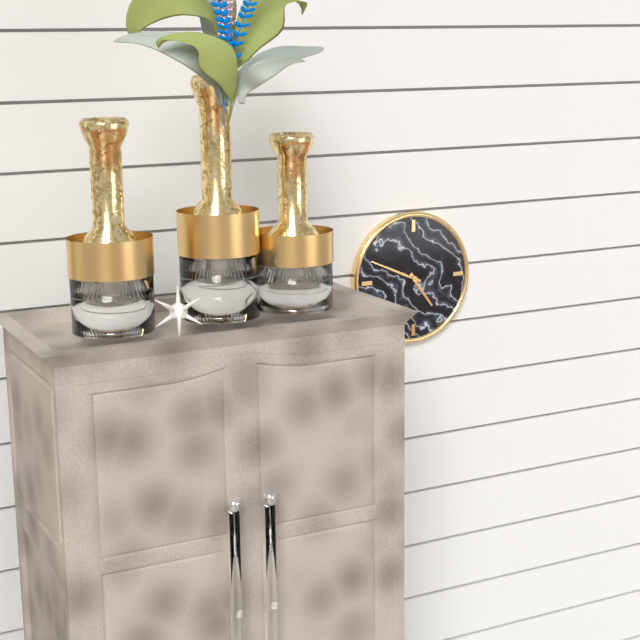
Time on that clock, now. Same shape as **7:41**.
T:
**4:49**
